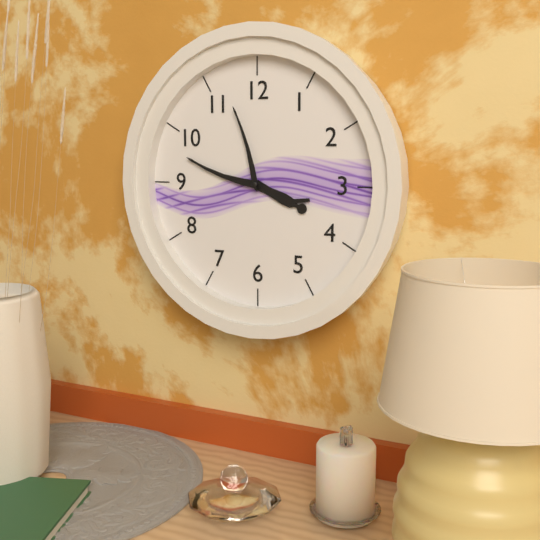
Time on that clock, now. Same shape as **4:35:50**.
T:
**3:48:57**
